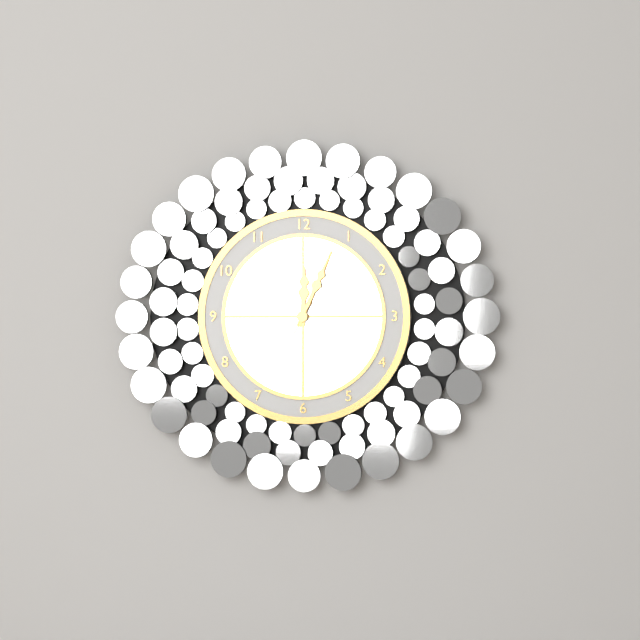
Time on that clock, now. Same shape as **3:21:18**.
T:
**12:04:35**
